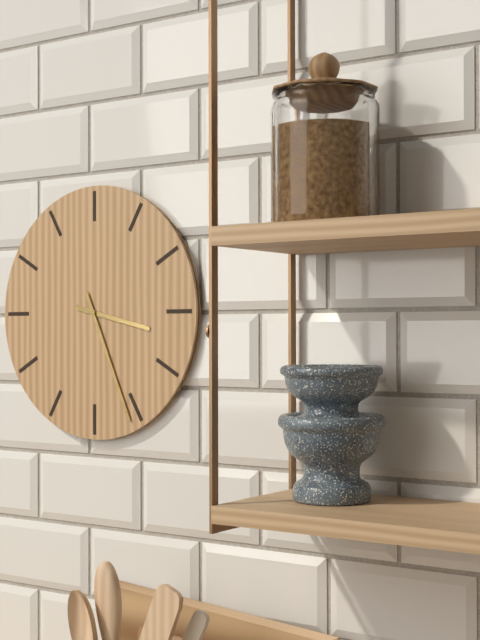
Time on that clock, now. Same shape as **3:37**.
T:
**3:26**
